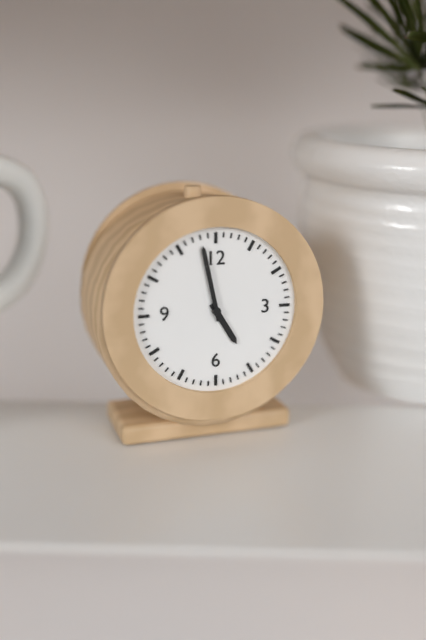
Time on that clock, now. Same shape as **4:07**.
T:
**4:58**
